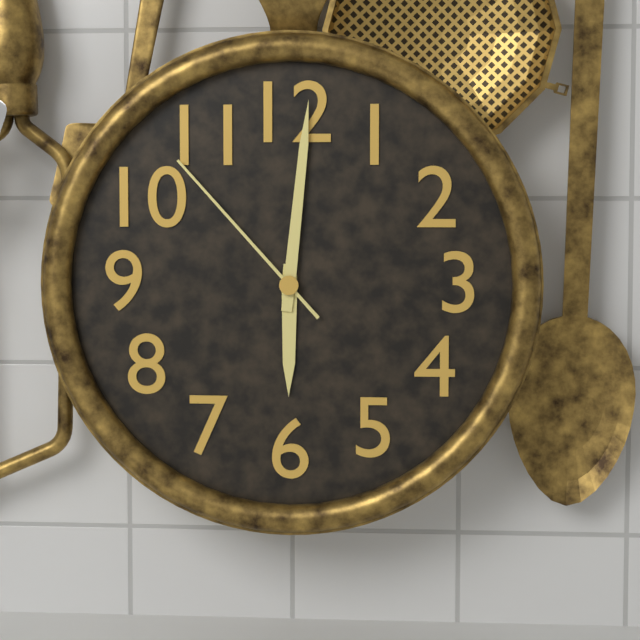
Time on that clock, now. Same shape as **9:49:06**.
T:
**6:01:53**
